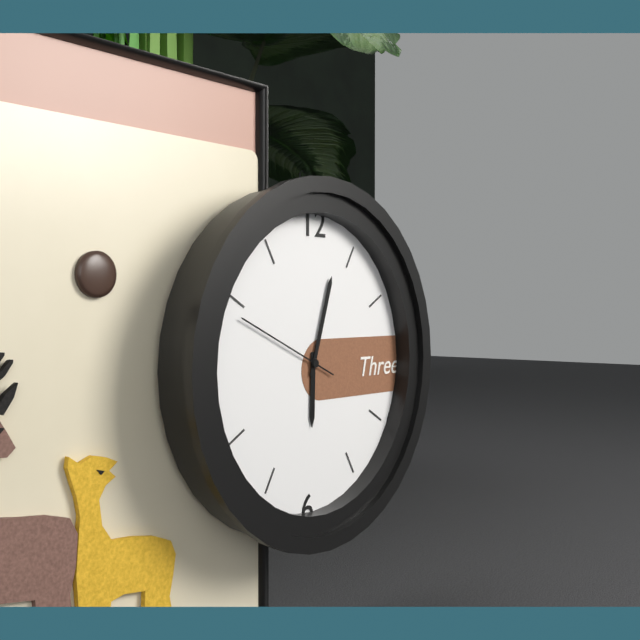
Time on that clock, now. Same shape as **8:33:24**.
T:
**6:03:49**
